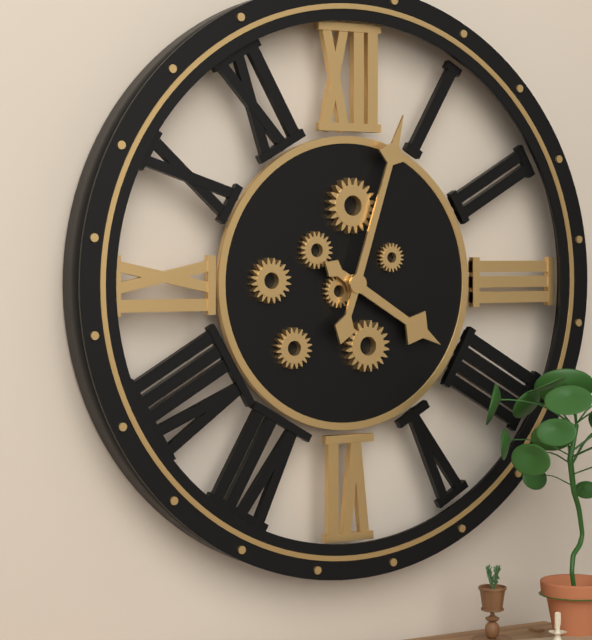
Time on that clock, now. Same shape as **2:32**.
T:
**4:03**
